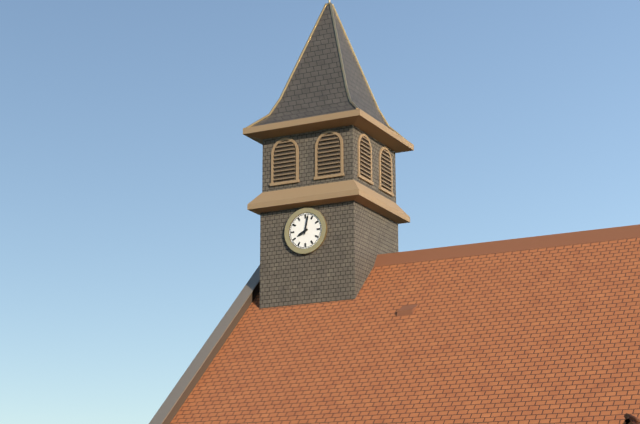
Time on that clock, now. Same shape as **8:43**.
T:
**8:02**
